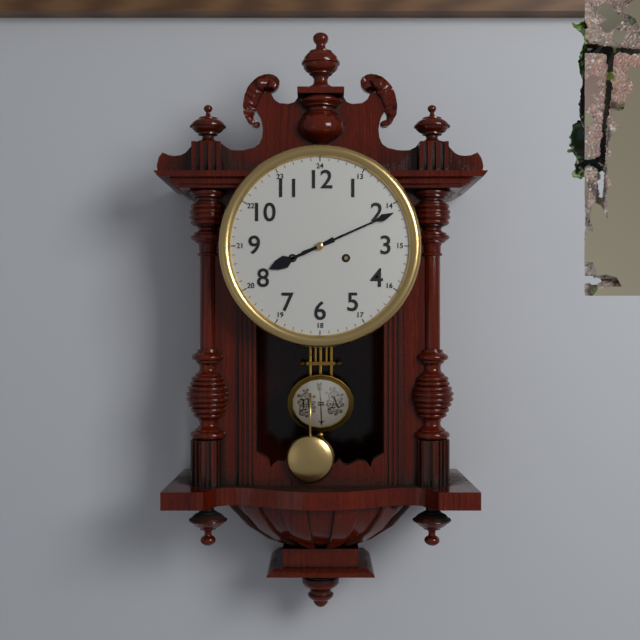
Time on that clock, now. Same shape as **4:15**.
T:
**8:11**
